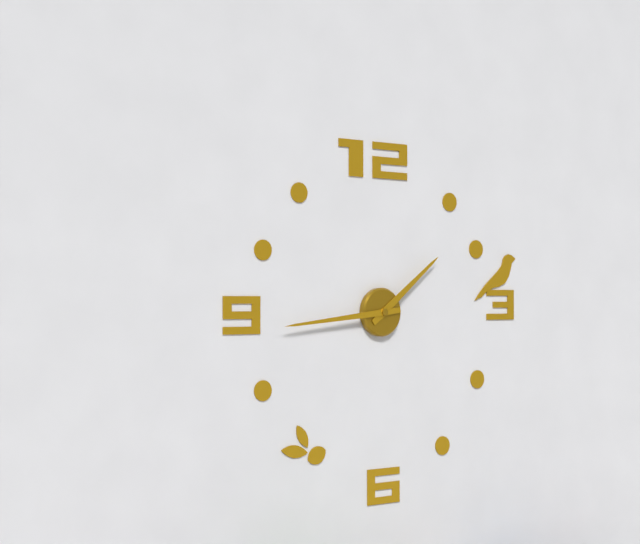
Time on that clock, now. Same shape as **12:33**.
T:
**1:44**
